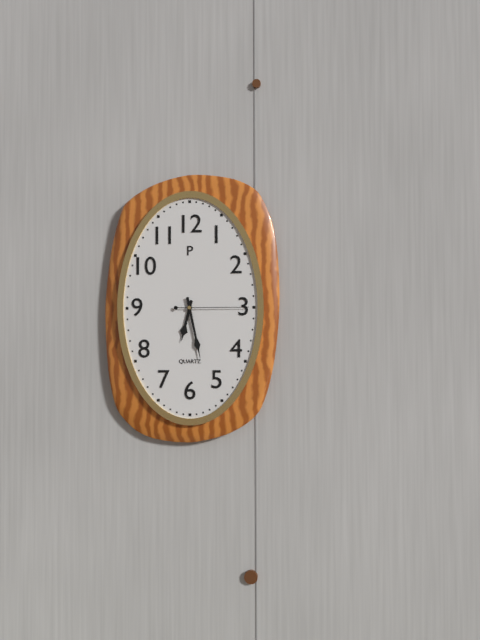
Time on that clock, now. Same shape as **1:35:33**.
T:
**6:28:15**
